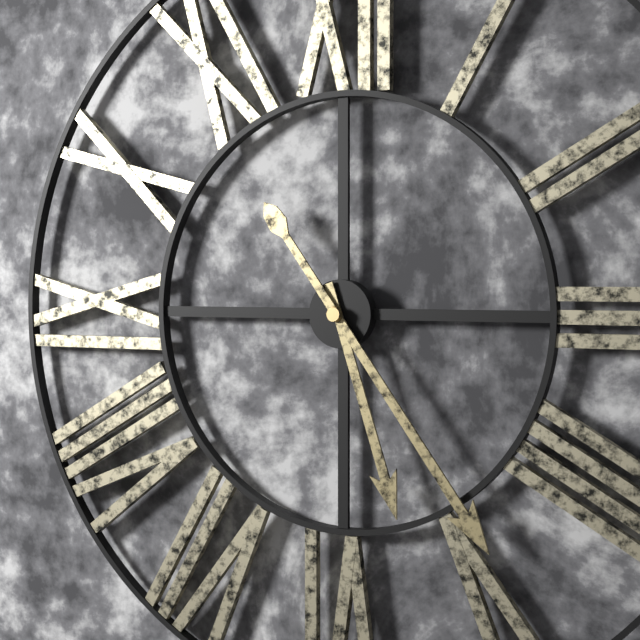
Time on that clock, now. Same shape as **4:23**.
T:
**5:24**
